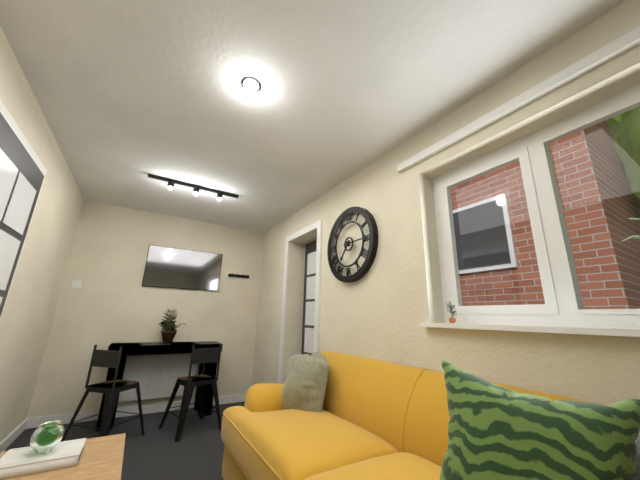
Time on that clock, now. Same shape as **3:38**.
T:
**7:15**
